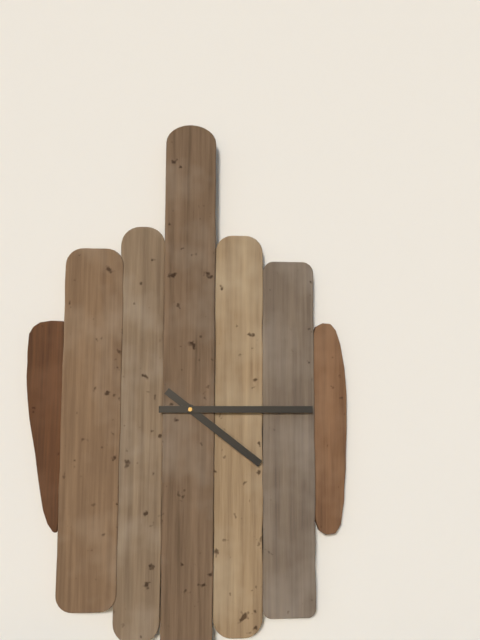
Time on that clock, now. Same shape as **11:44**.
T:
**4:15**
